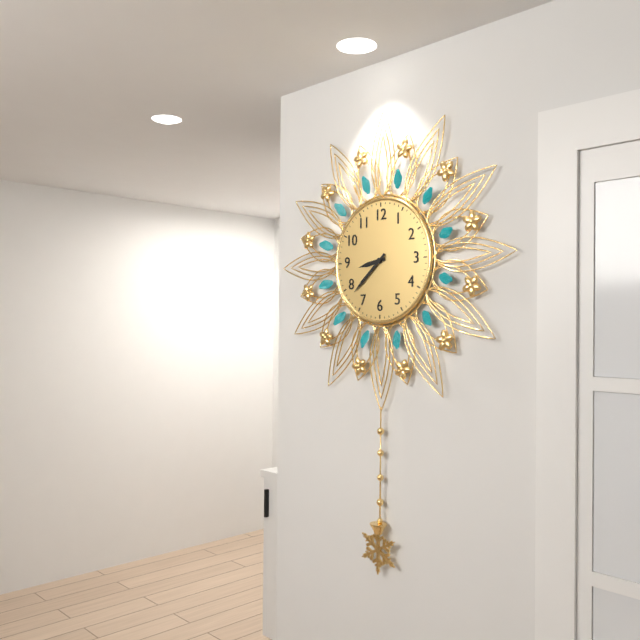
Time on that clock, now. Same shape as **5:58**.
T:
**8:38**
